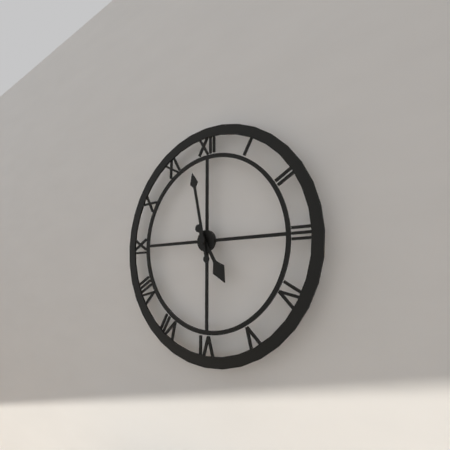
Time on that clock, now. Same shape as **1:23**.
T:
**4:58**
